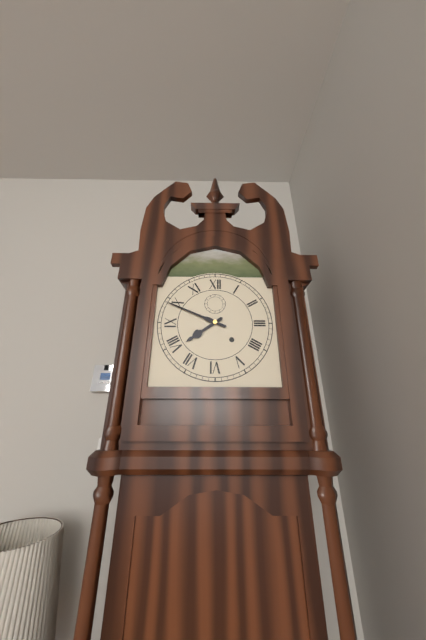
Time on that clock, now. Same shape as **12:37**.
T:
**7:49**
